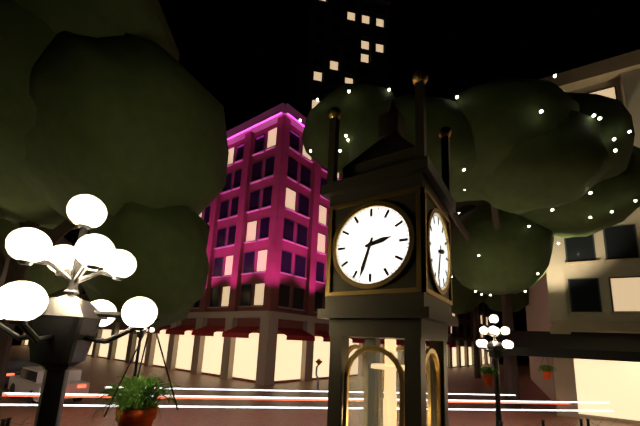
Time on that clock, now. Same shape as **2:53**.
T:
**2:33**
